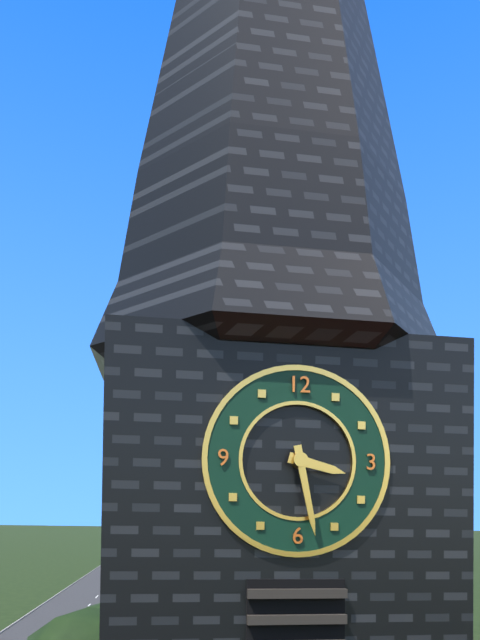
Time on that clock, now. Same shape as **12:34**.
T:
**3:28**
